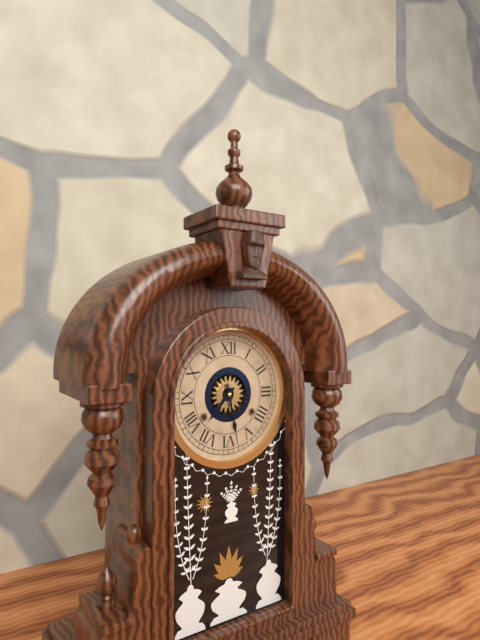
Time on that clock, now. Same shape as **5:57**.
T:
**7:28**
